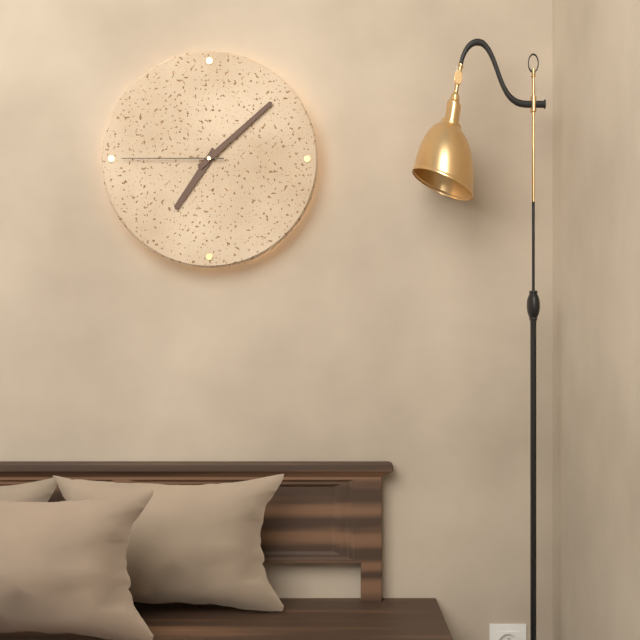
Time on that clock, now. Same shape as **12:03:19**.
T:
**7:08:45**
